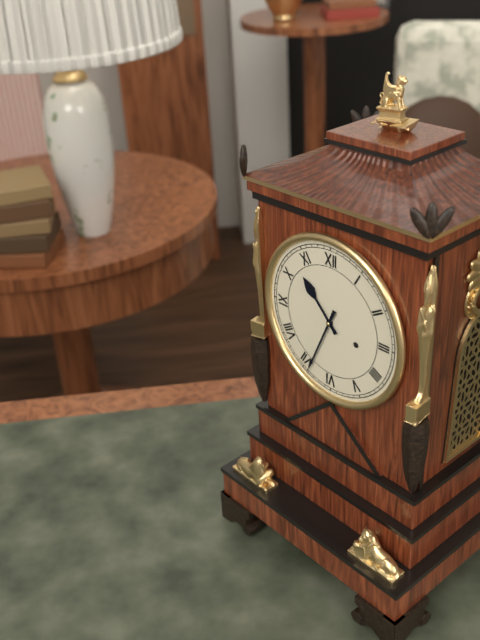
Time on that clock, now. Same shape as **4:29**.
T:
**10:34**
